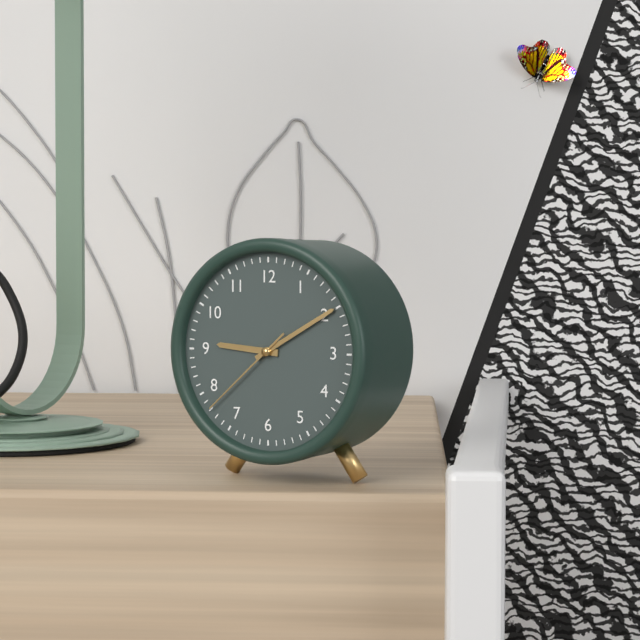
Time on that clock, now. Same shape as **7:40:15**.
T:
**9:10:38**
